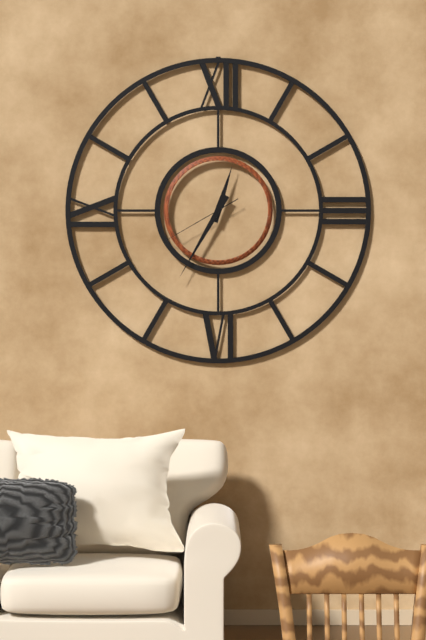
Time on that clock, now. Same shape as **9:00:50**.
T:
**12:35:40**
